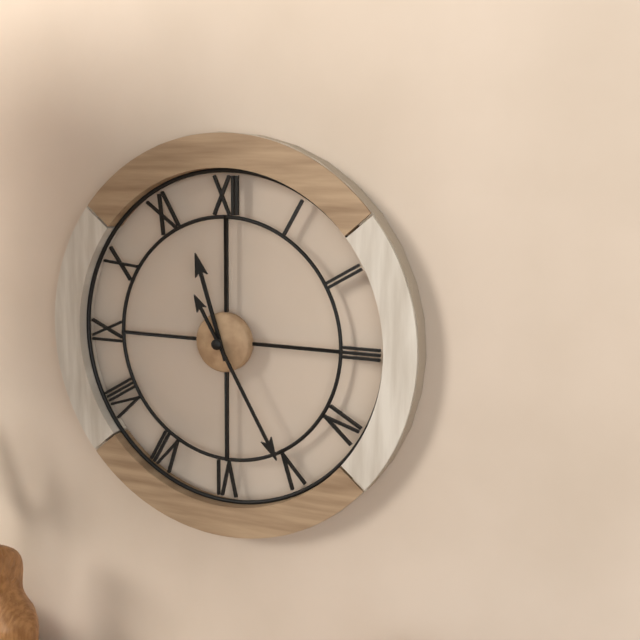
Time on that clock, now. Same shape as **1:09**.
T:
**11:25**
